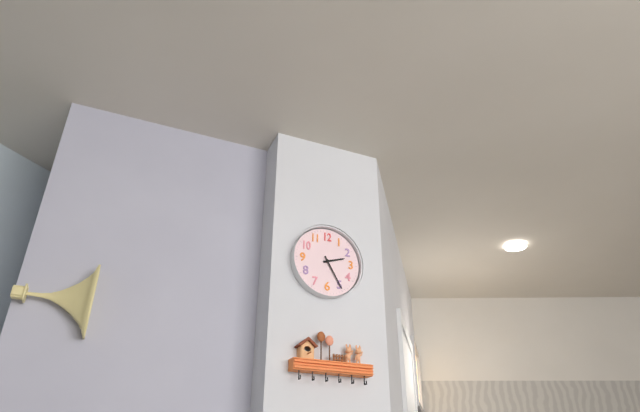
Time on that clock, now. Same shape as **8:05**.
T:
**2:25**
